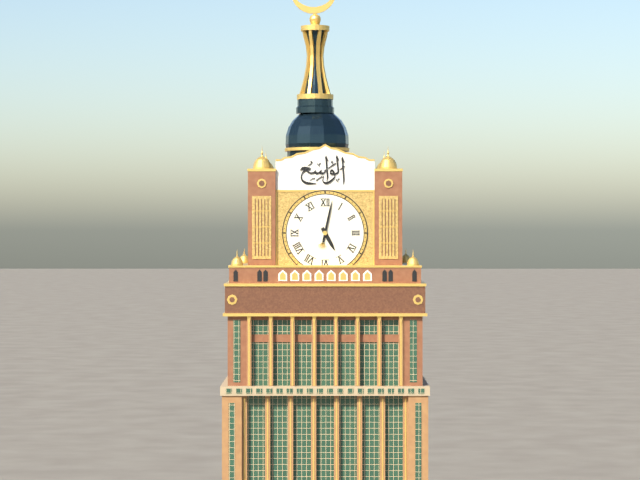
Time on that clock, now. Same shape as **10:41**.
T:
**5:02**
